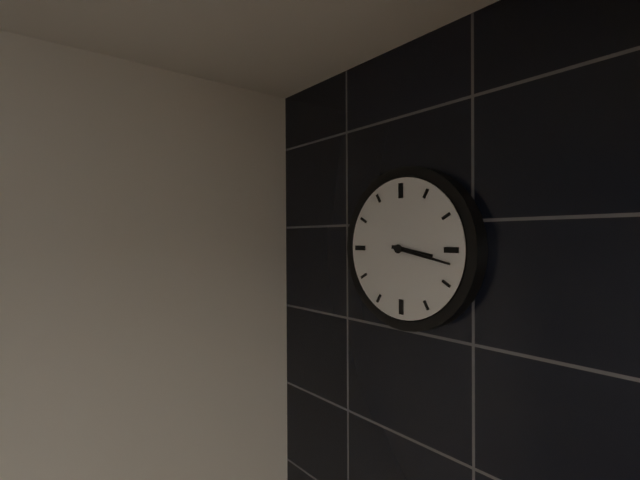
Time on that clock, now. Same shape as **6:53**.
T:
**3:17**
